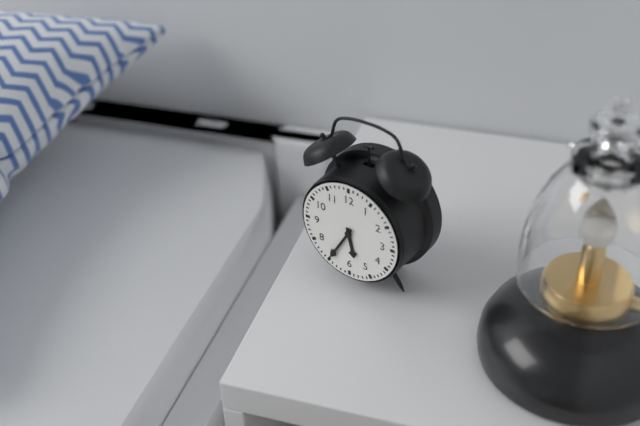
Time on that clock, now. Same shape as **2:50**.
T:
**5:35**
